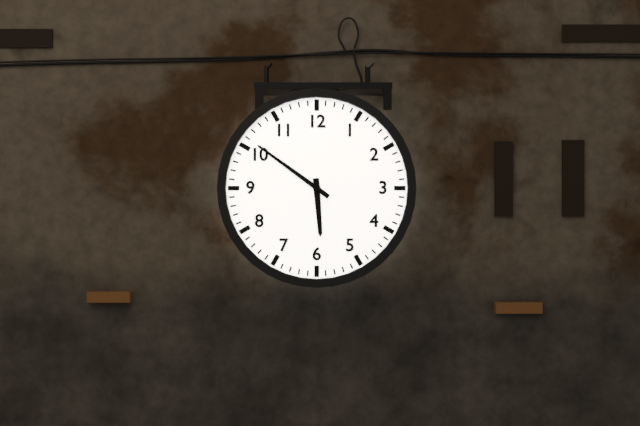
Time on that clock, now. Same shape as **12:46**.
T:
**5:51**
